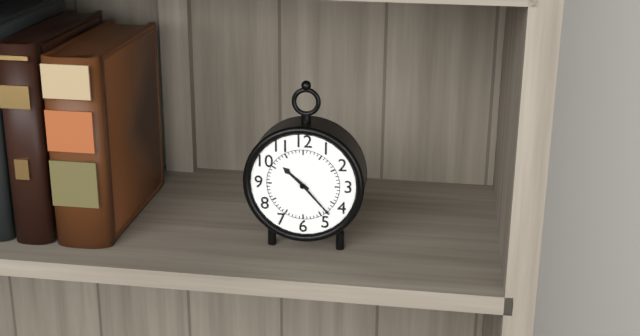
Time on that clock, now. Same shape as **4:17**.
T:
**10:23**
